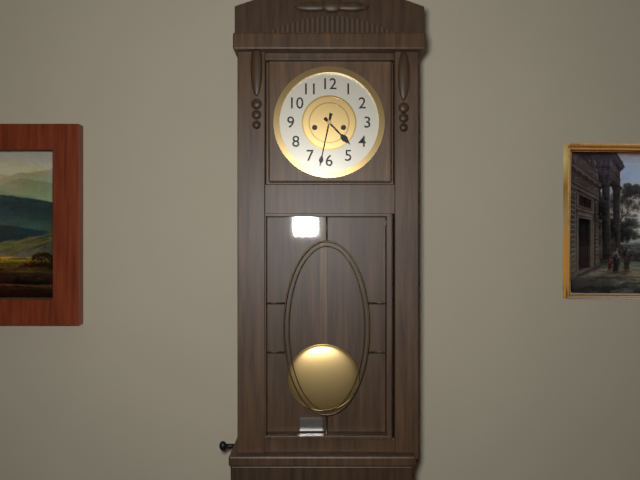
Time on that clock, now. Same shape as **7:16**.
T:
**4:32**
